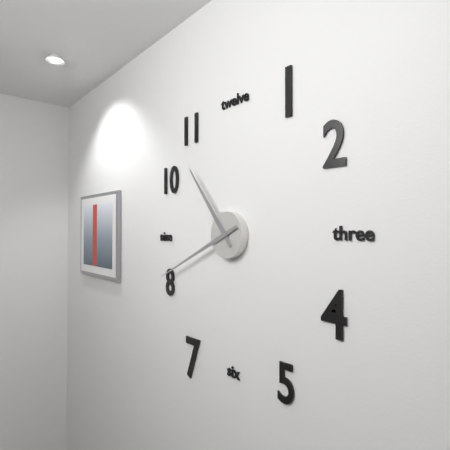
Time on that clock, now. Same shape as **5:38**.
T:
**10:41**
